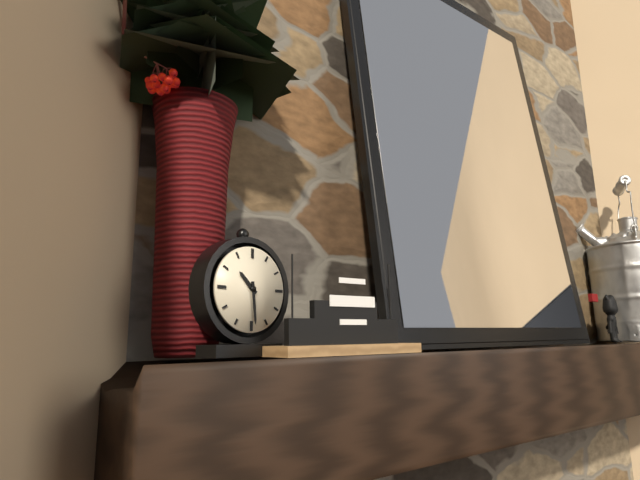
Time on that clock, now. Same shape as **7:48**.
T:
**10:29**
